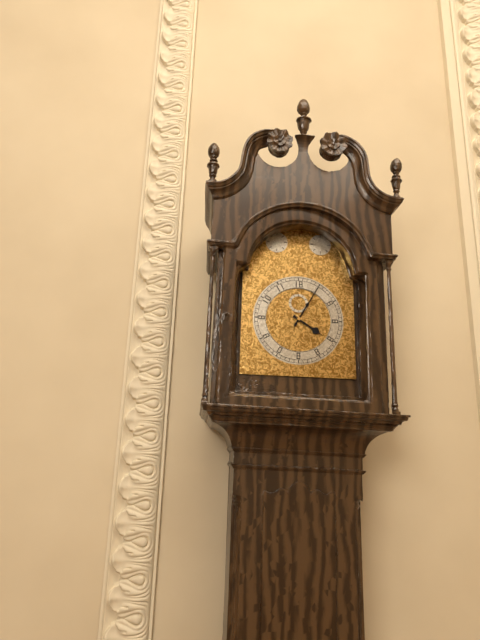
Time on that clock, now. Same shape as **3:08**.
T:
**4:05**
